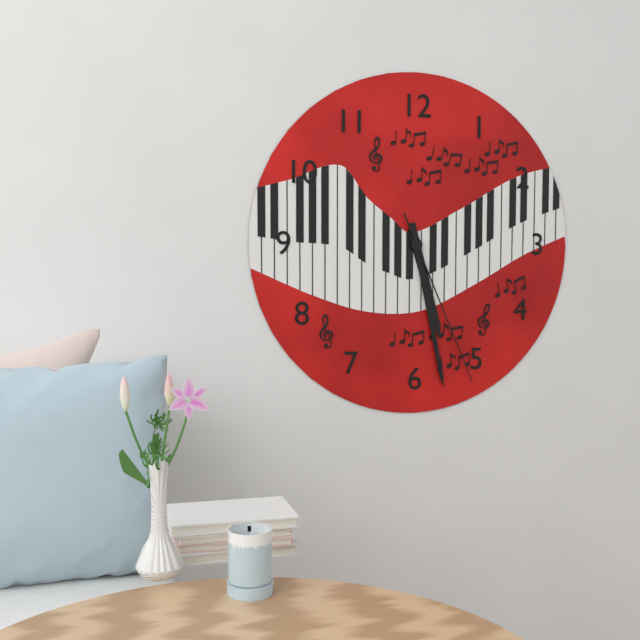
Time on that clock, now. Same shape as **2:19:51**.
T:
**5:28:26**
